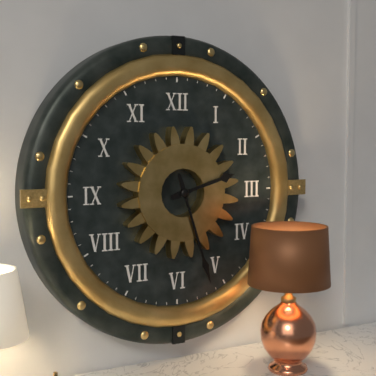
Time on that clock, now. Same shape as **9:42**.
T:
**2:27**
